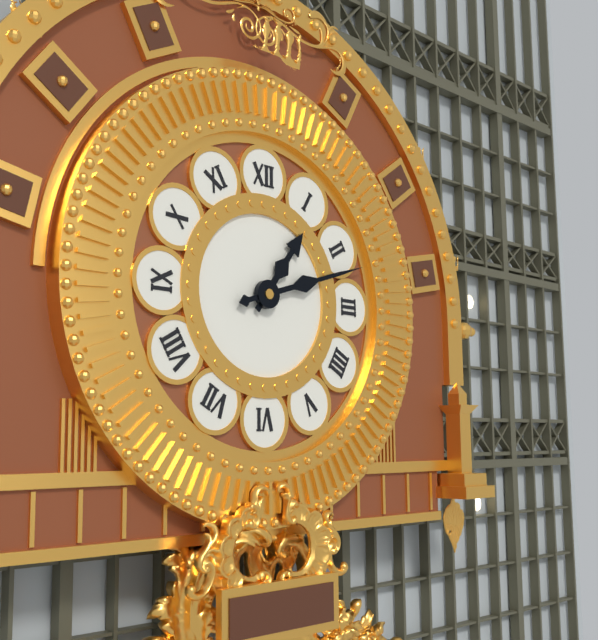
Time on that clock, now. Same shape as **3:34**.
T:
**1:12**
